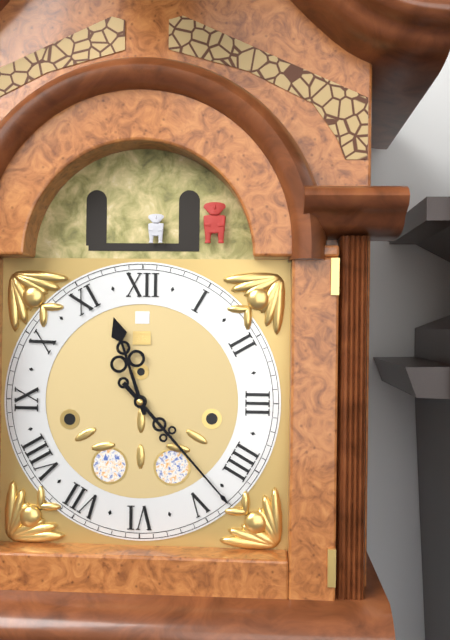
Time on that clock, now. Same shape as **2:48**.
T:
**11:23**
